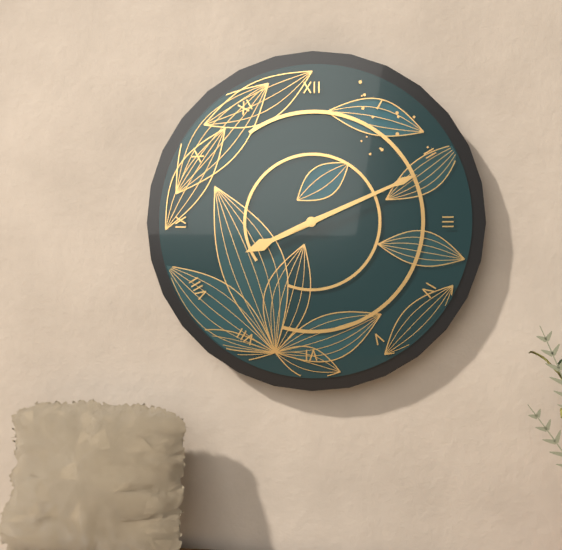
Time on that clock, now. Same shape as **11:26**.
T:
**8:11**
